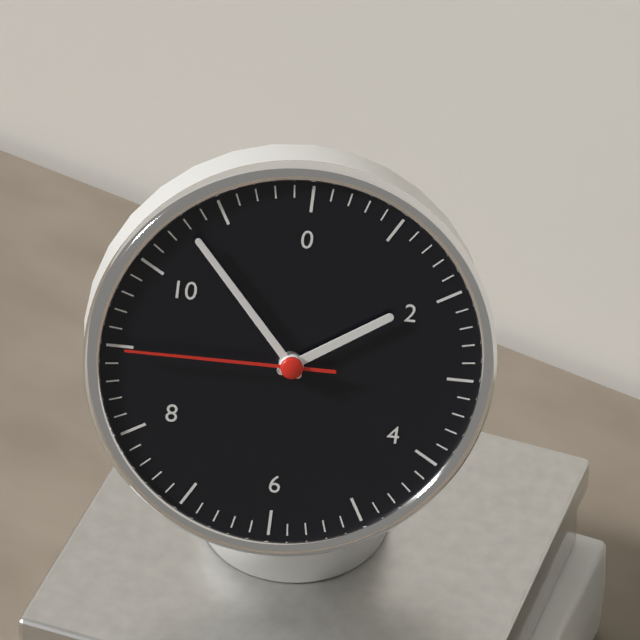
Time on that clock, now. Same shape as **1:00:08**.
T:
**1:53:45**
